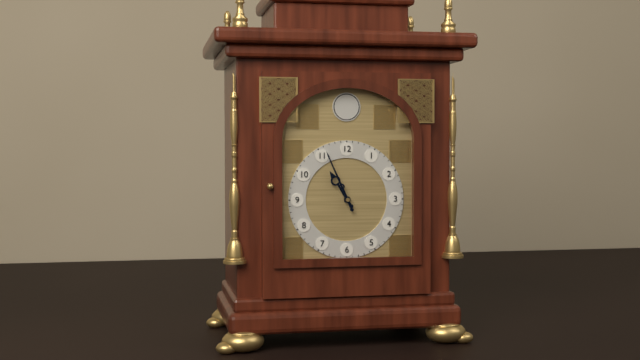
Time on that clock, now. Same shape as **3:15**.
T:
**10:56**
